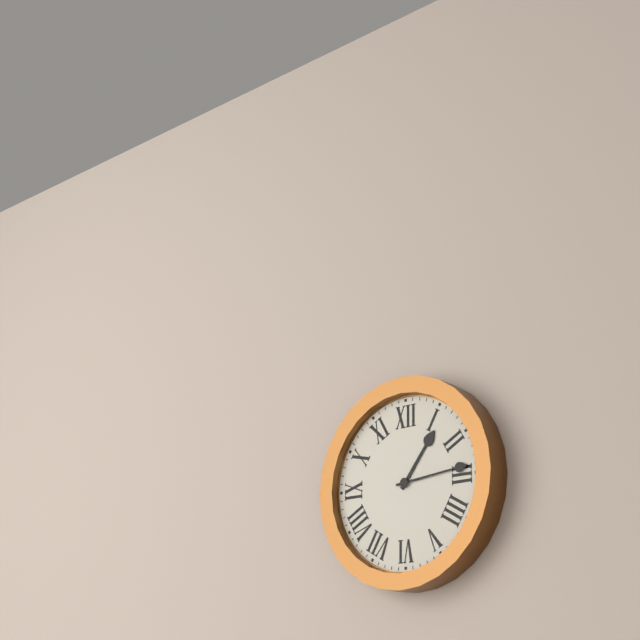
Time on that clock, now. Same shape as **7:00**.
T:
**1:14**
